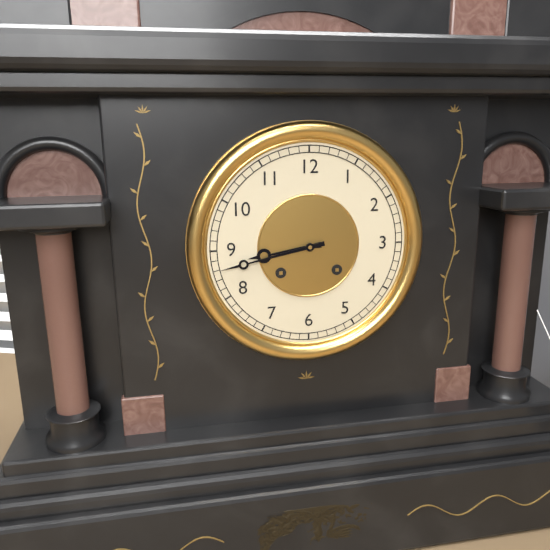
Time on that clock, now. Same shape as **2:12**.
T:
**8:43**
